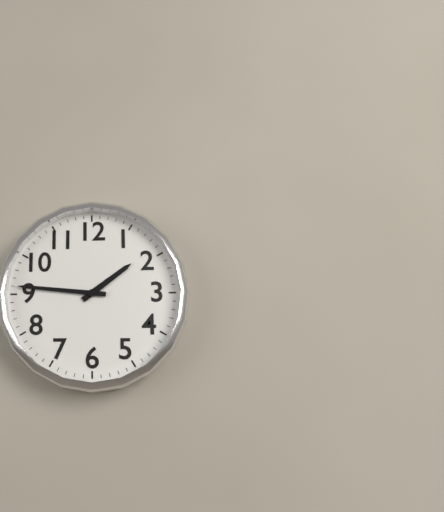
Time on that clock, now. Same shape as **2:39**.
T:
**1:46**
